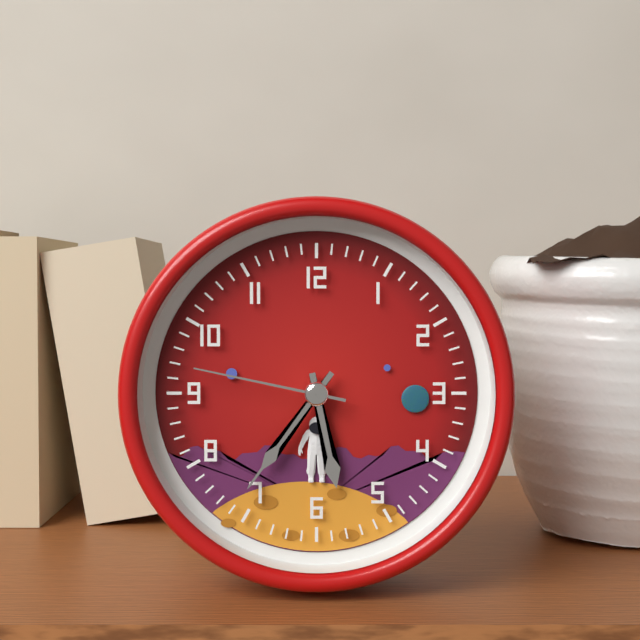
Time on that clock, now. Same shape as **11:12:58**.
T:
**5:36:47**
